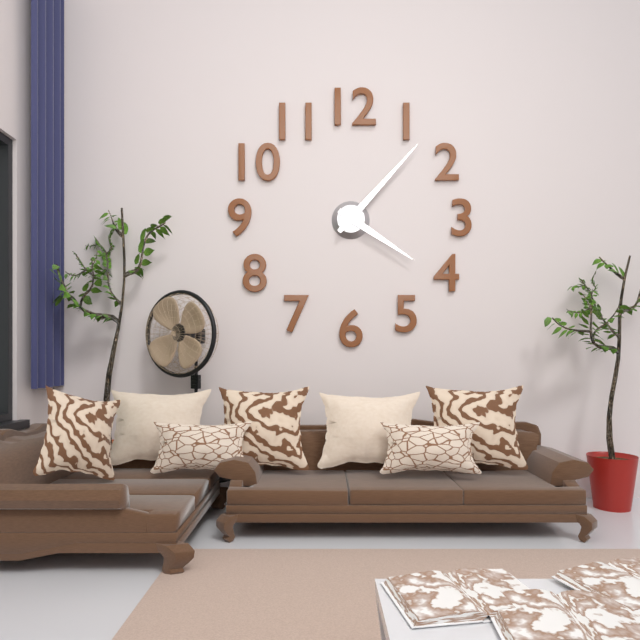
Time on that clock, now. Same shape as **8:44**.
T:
**4:07**
